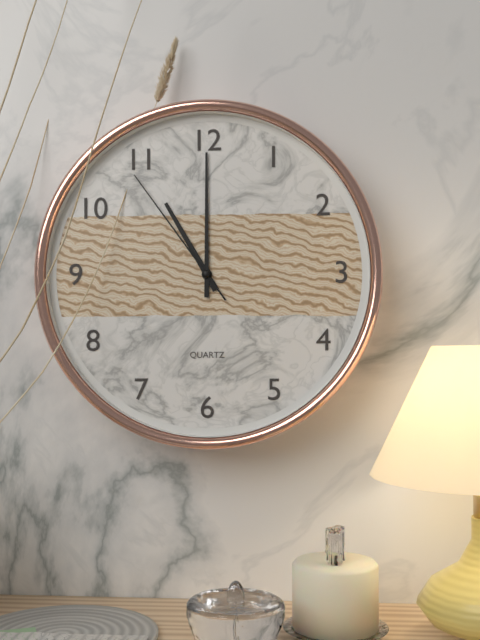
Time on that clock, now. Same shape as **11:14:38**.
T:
**11:00:54**
